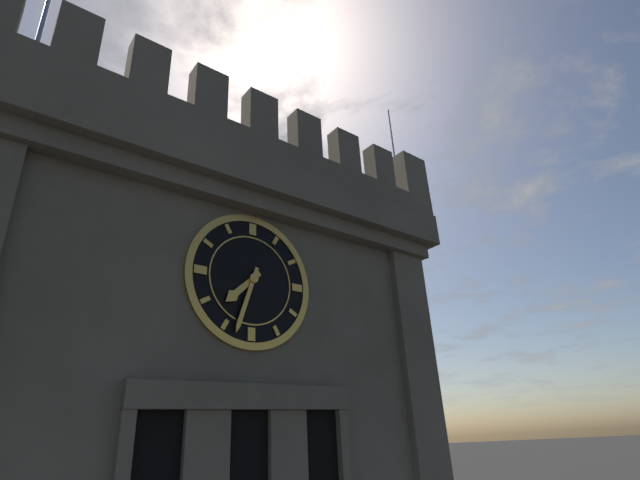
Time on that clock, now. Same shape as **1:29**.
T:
**7:33**
